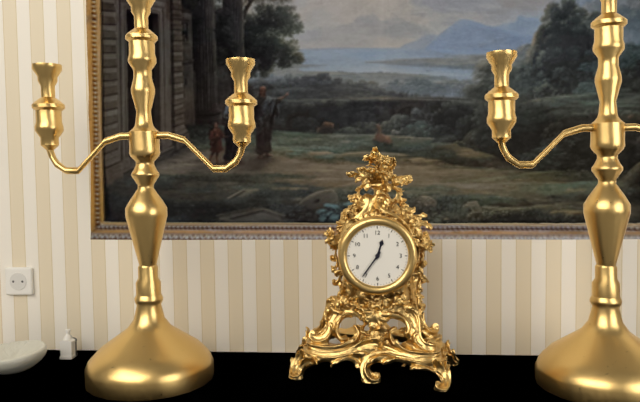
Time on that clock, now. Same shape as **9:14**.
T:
**12:36**
